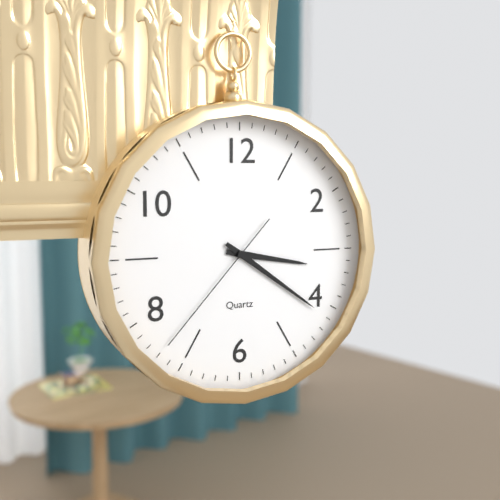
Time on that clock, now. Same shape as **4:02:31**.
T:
**3:21:37**
